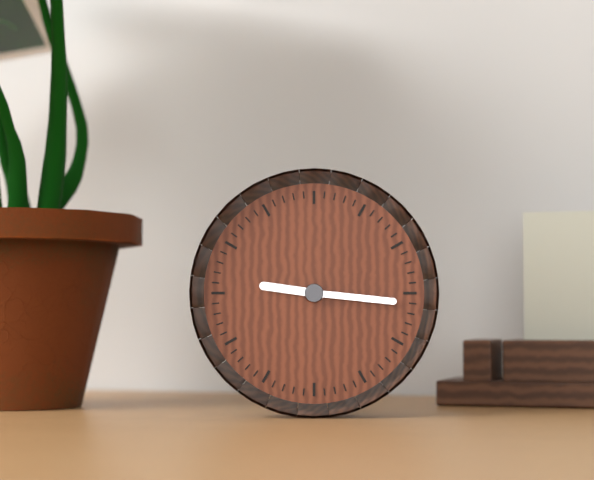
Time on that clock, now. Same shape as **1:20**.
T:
**9:16**
